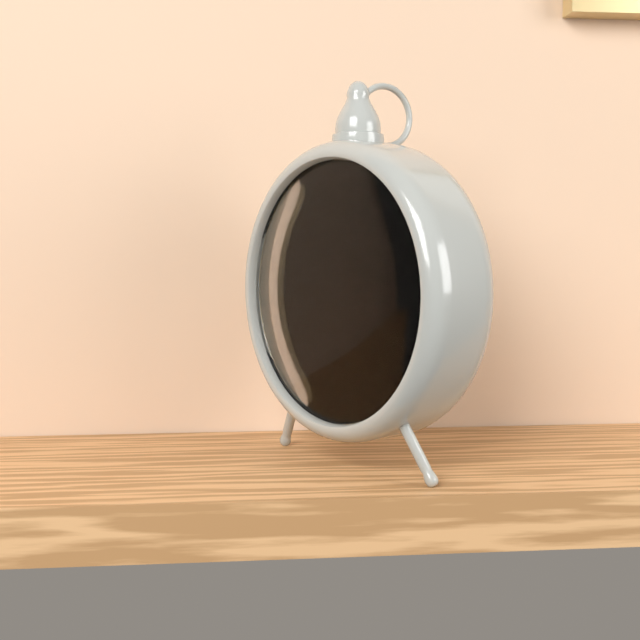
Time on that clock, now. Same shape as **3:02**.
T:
**10:59**
